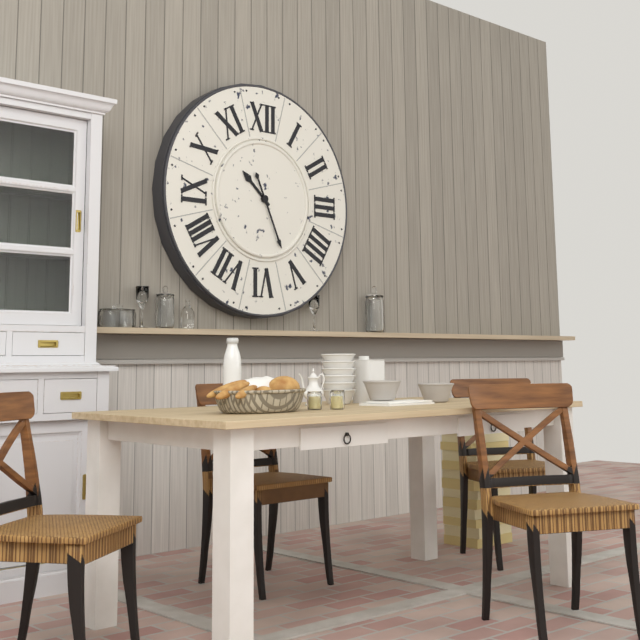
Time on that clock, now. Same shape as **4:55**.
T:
**10:26**
